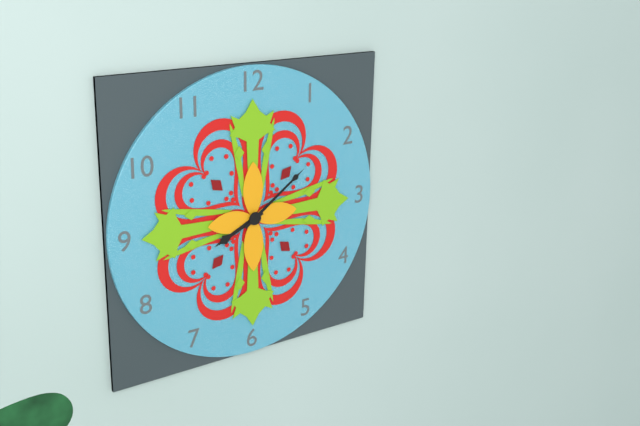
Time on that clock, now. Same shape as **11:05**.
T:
**8:09**
